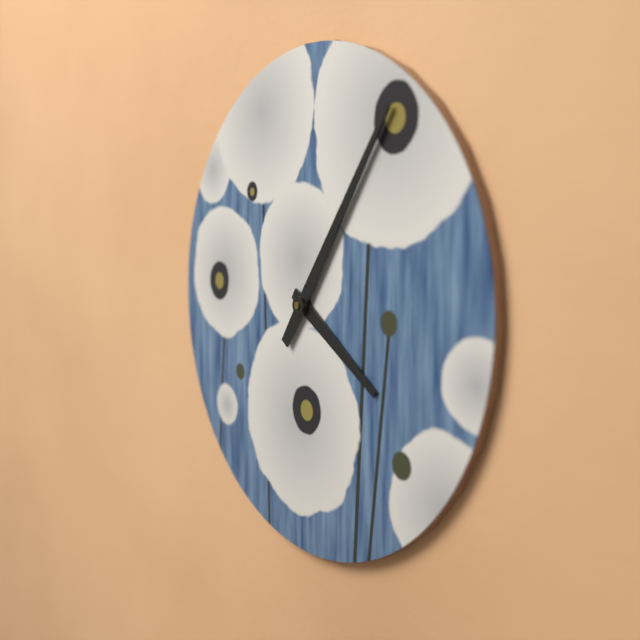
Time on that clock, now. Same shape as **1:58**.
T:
**4:06**
